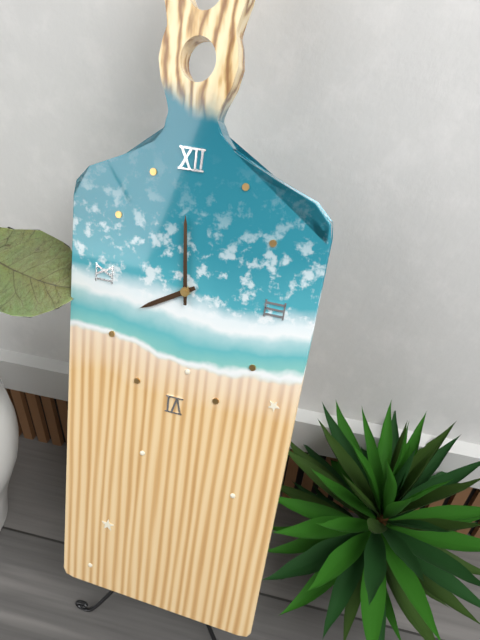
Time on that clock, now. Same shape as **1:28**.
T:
**7:59**
